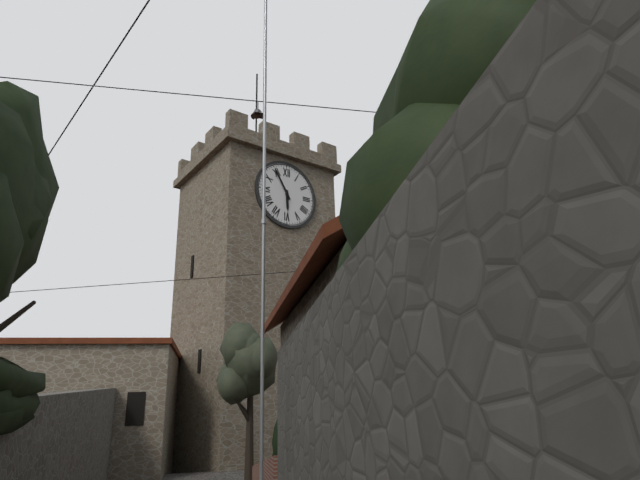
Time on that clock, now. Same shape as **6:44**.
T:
**5:55**
